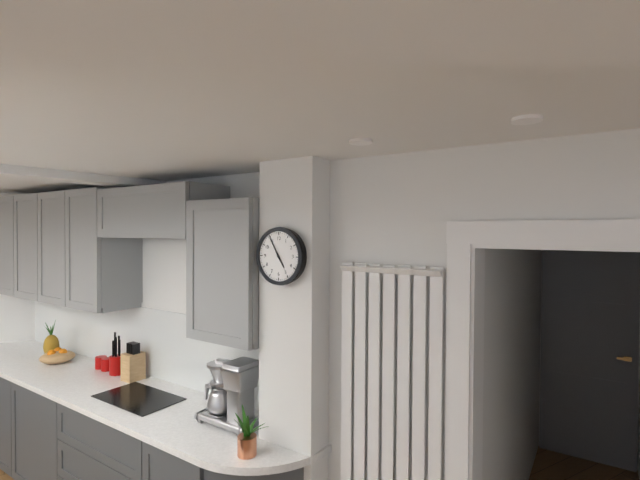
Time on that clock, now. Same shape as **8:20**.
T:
**4:55**
